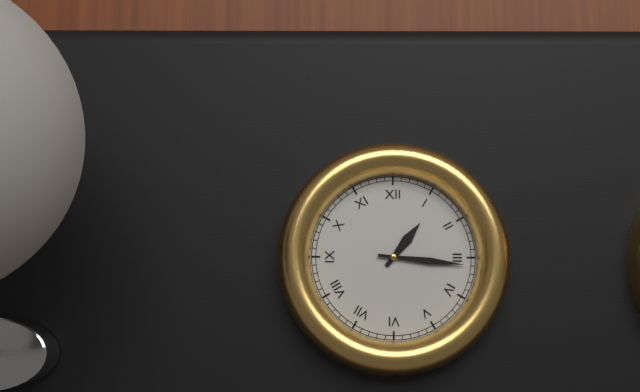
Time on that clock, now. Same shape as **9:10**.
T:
**1:16**
